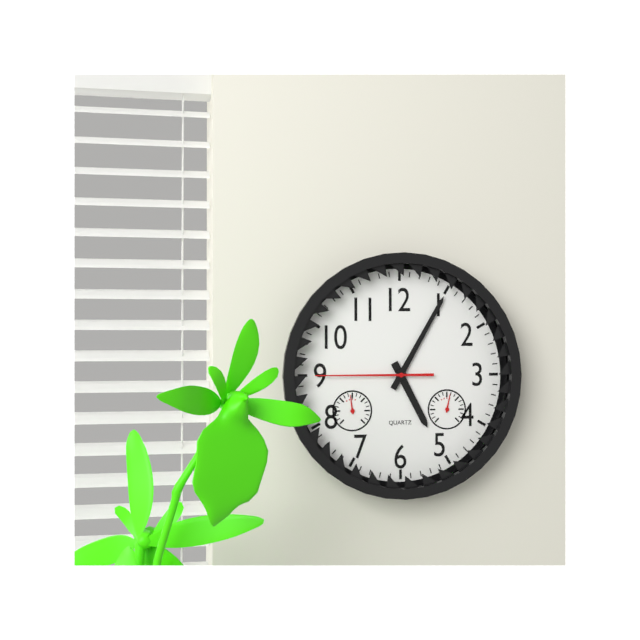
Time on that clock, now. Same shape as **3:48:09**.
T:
**5:05:45**
